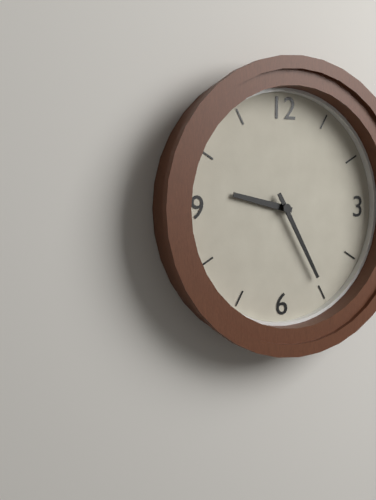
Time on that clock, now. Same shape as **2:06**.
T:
**9:25**
